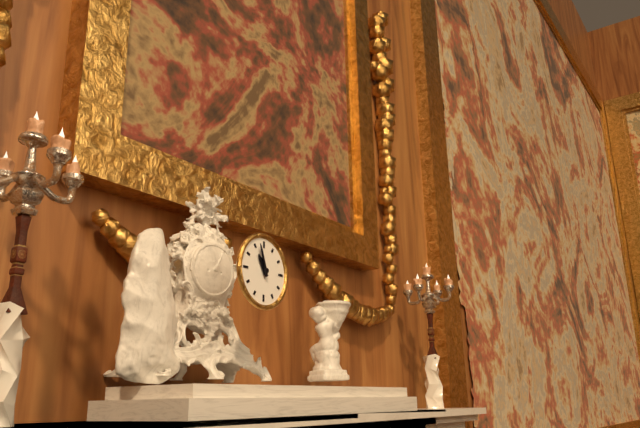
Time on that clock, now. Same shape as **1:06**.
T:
**10:57**
